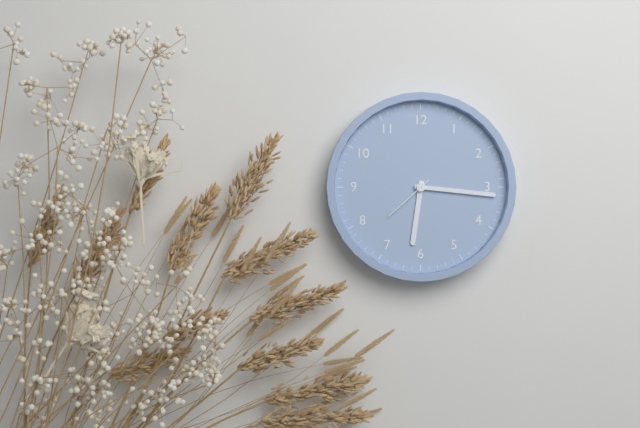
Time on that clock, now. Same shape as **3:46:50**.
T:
**6:16:38**
